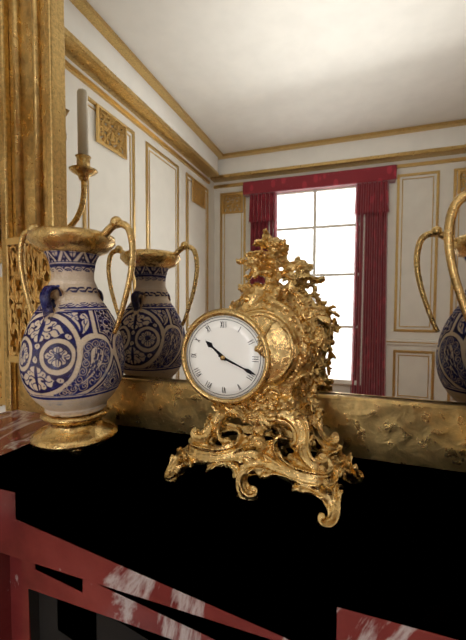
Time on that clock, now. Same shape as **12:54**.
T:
**10:19**
